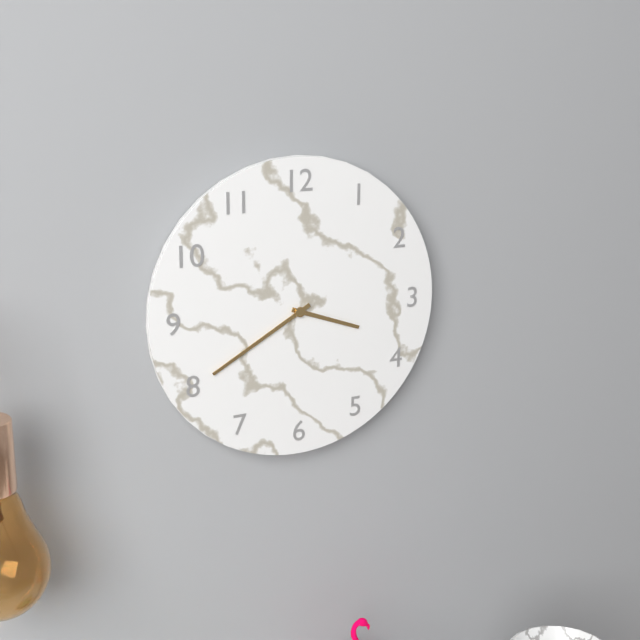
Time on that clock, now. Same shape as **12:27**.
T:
**3:40**
